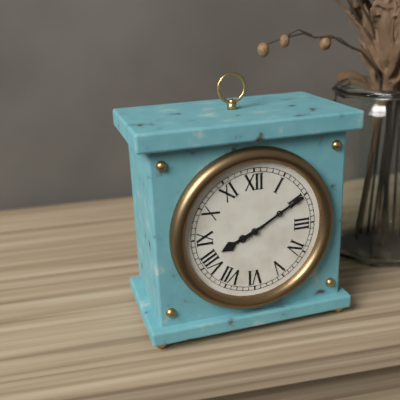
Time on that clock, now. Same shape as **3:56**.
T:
**8:10**
